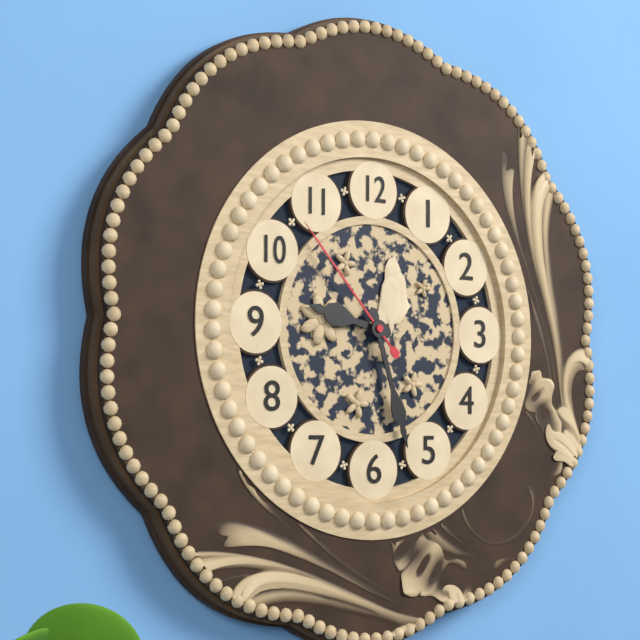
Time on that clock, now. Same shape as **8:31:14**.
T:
**9:27:53**
